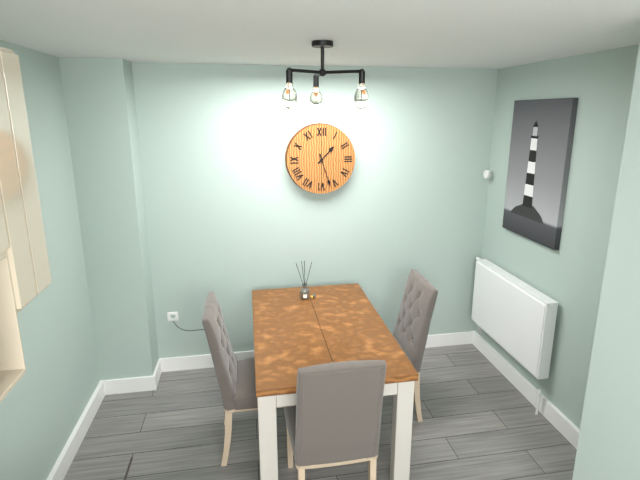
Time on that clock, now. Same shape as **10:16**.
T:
**1:27**
